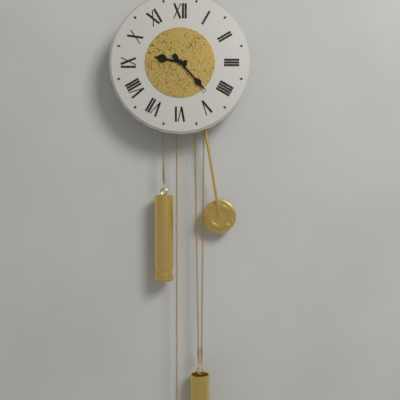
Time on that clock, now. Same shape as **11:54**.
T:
**9:23**
